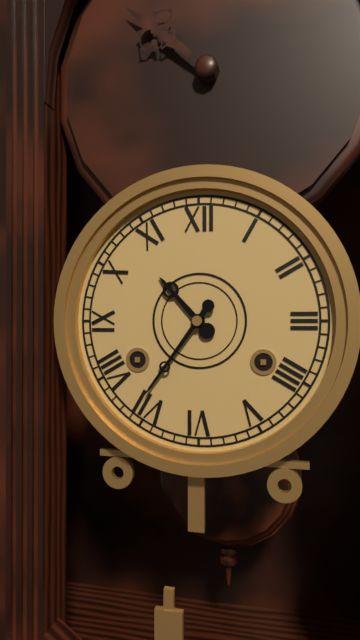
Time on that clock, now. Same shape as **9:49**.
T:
**10:36**
